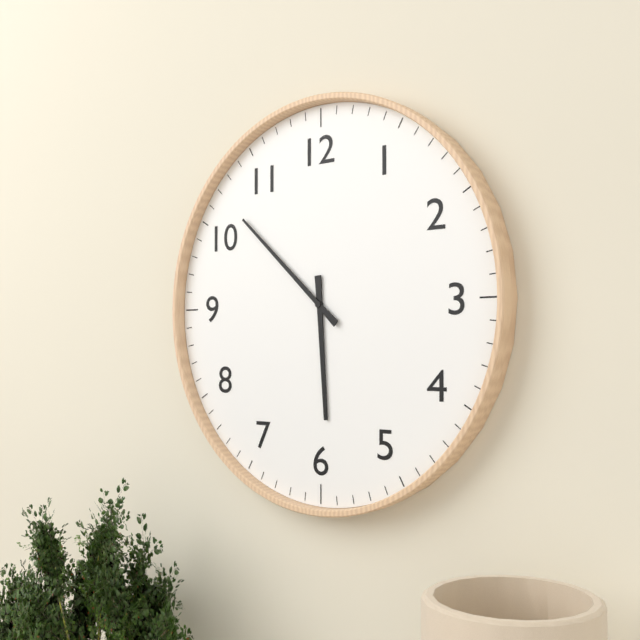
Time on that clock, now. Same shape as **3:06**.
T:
**5:52**
